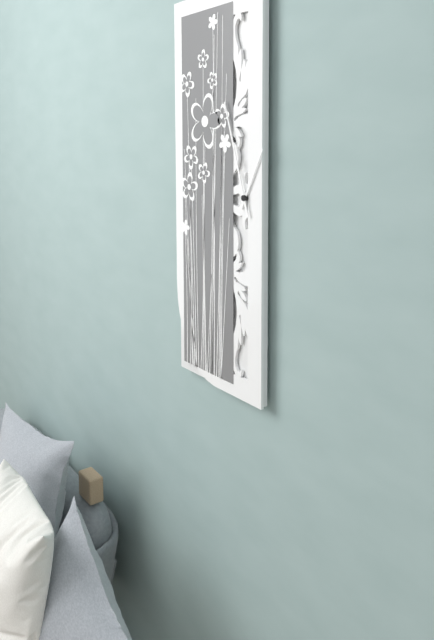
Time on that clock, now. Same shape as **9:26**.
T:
**12:57**
